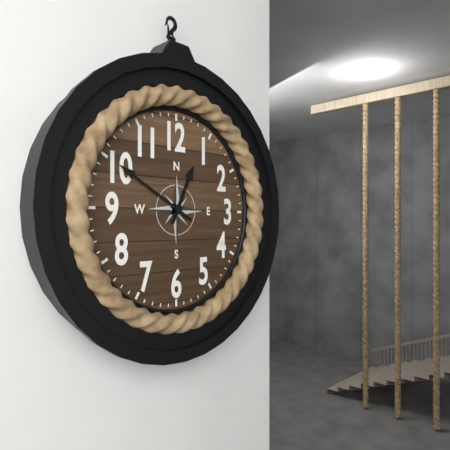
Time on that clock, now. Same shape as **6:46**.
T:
**12:50**
